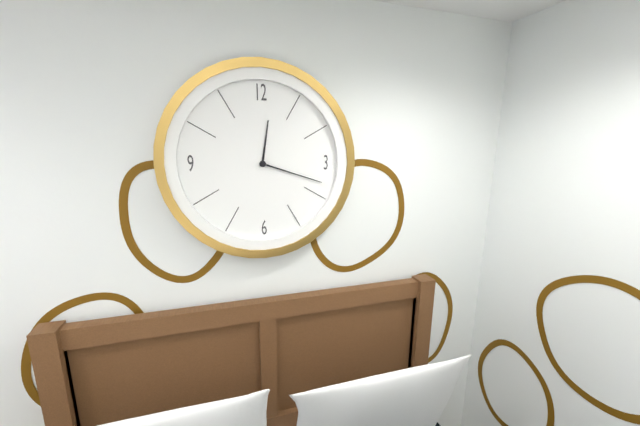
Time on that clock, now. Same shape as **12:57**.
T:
**12:18**
